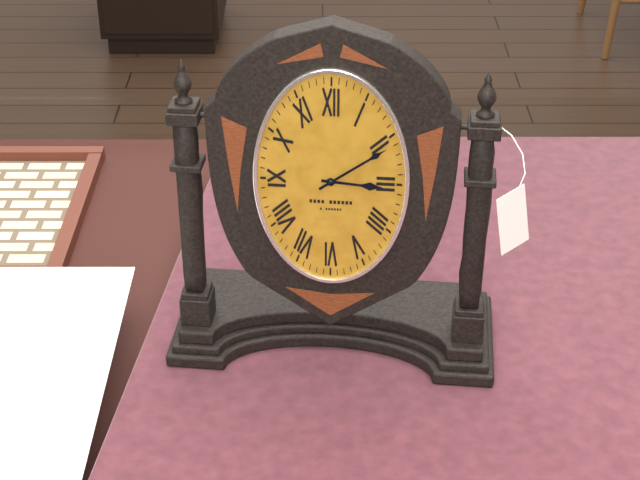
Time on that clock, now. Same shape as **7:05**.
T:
**3:09**
